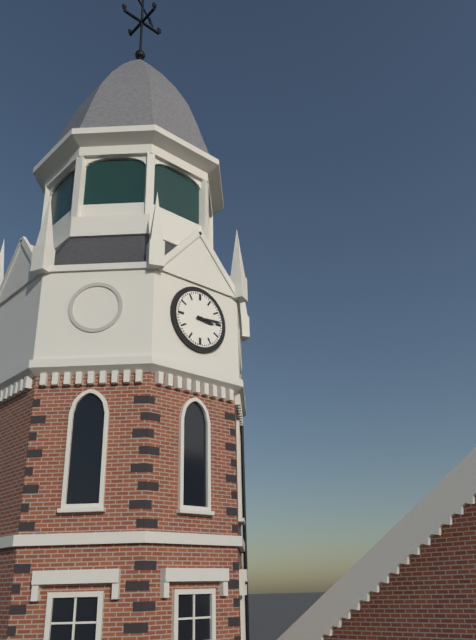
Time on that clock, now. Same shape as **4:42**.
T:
**3:14**
